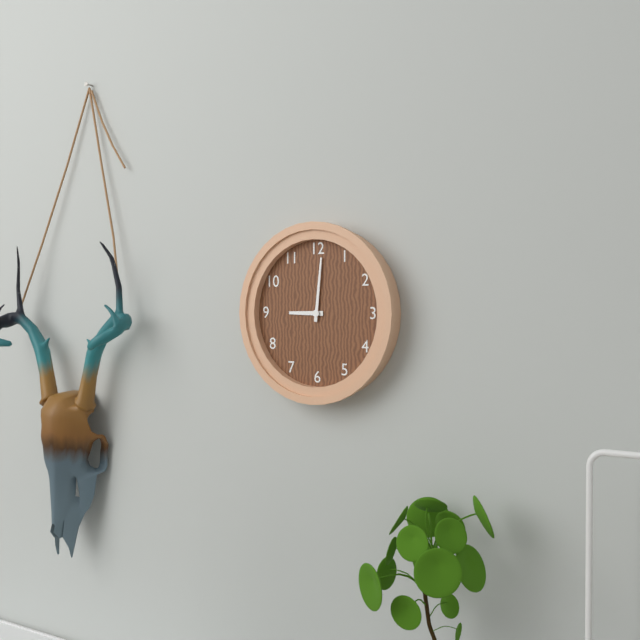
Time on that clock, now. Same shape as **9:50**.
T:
**9:01**
